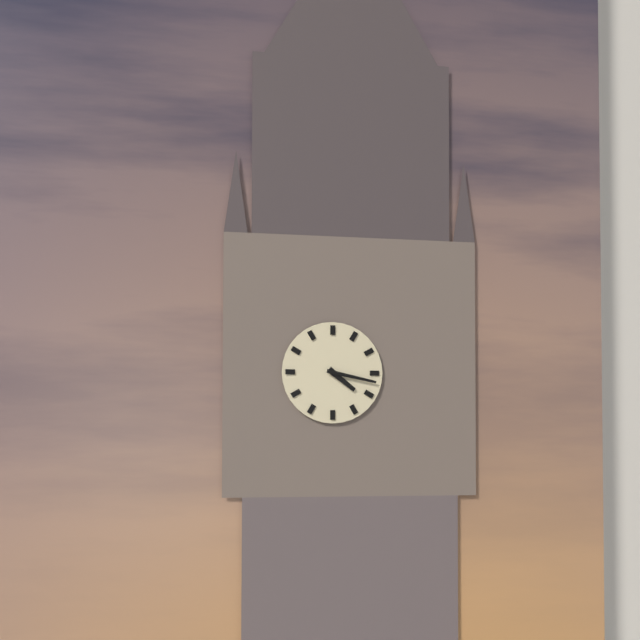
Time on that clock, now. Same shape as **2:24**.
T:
**4:17**
